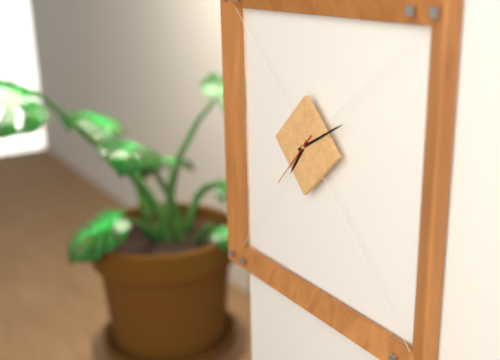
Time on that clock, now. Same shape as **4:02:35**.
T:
**7:10:37**
